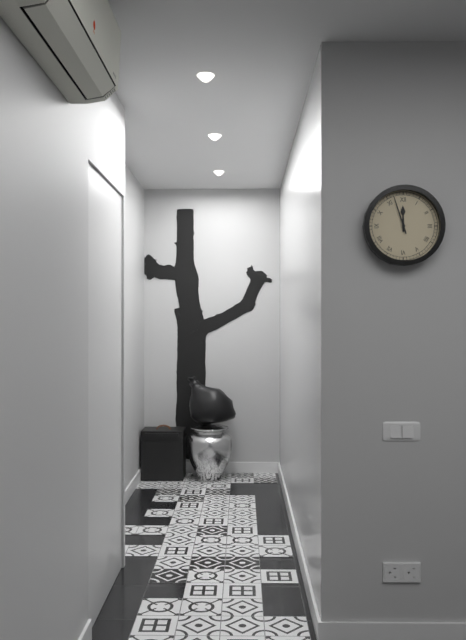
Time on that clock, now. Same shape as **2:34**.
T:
**11:57**
